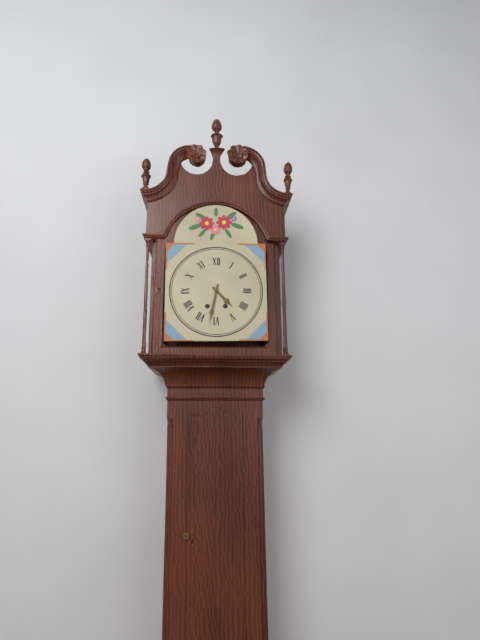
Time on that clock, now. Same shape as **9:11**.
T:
**4:32**
